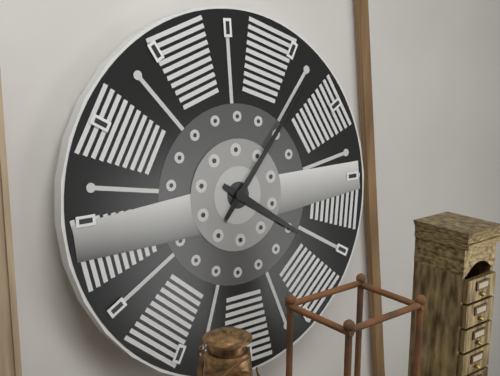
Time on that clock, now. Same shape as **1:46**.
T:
**4:07**
